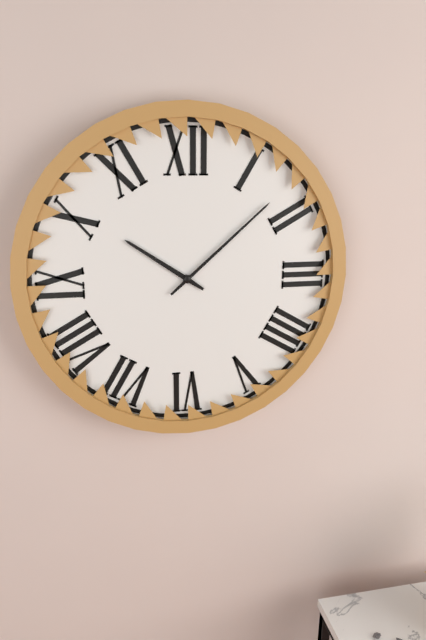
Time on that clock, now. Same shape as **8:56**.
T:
**10:08**
